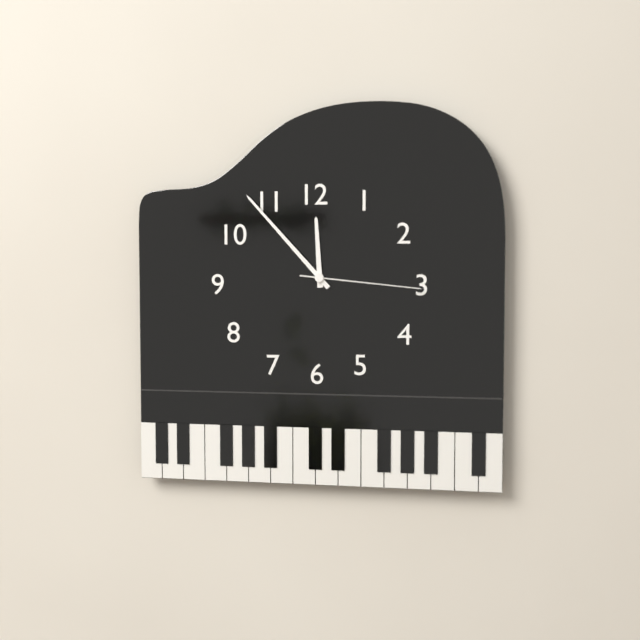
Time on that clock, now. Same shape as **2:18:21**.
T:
**11:53:16**
